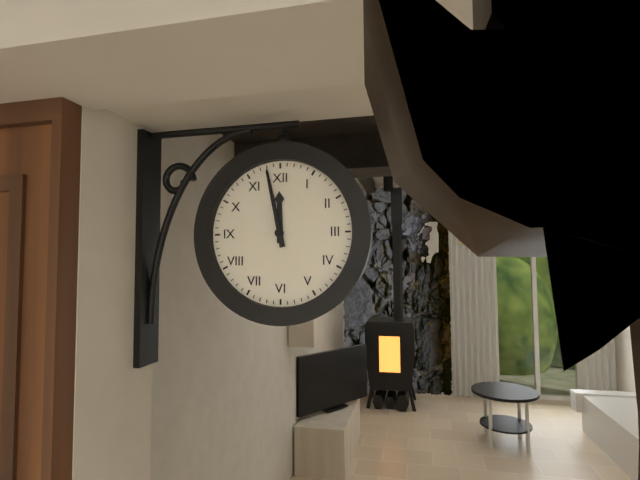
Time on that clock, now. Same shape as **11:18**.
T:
**11:58**
